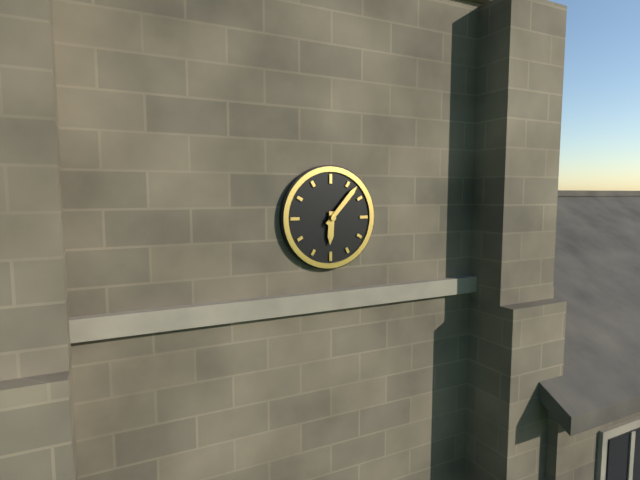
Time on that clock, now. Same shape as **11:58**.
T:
**6:07**
